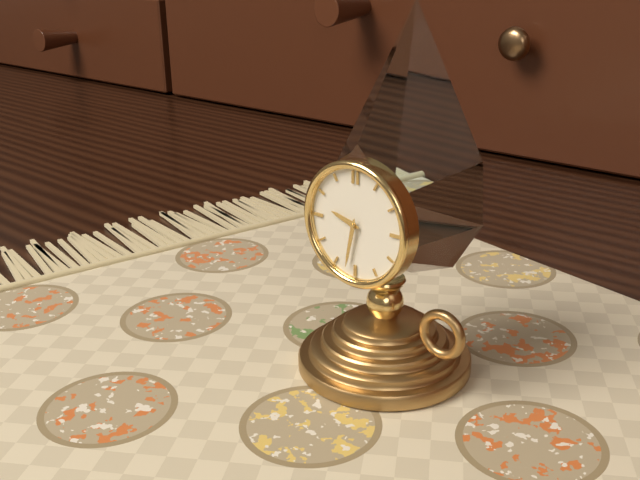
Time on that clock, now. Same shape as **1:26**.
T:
**9:32**
